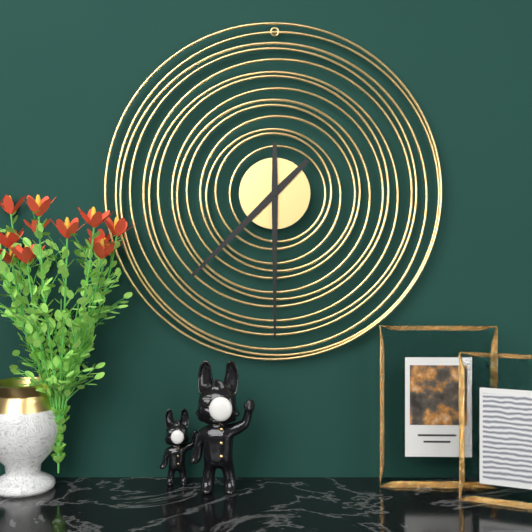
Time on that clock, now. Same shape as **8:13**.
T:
**7:30**
